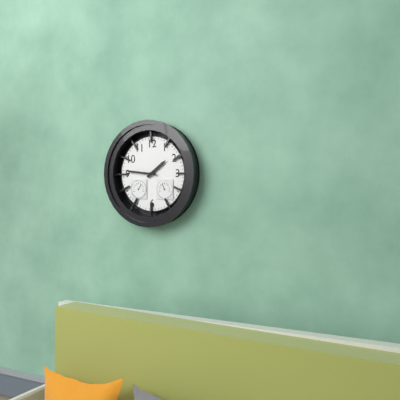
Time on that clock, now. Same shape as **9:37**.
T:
**1:46**
